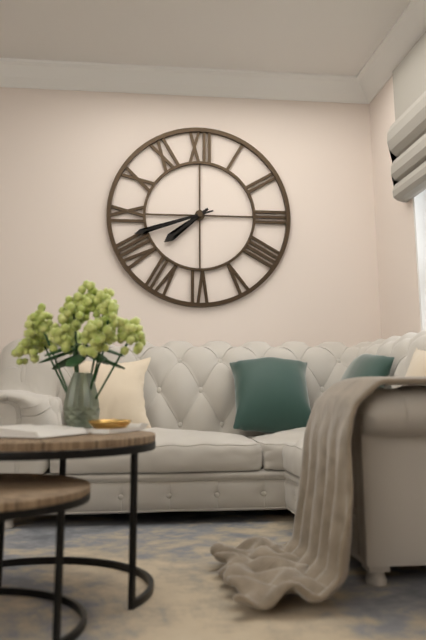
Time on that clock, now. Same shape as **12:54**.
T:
**7:42**
